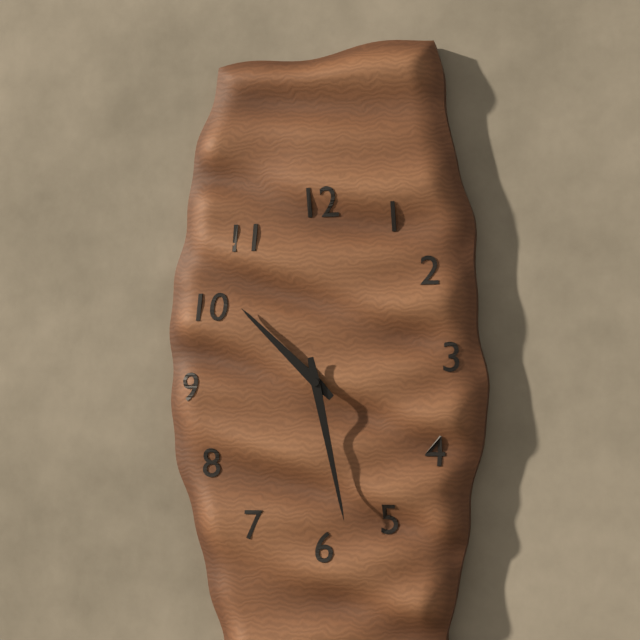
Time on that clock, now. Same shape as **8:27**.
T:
**10:28**
